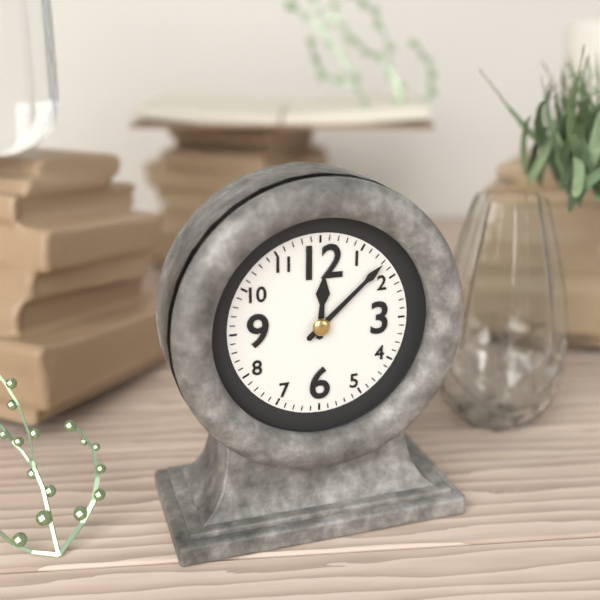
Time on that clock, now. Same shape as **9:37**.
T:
**12:08**
